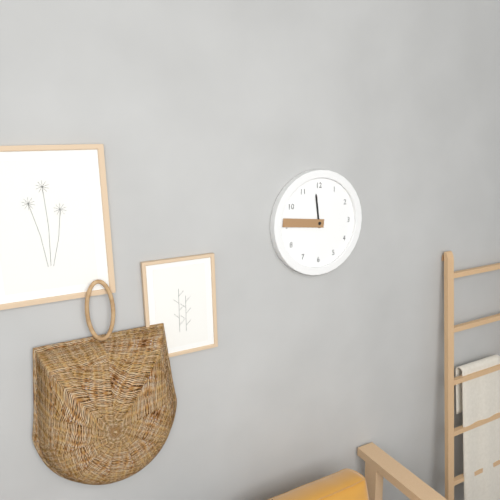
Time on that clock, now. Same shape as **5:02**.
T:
**11:46**
